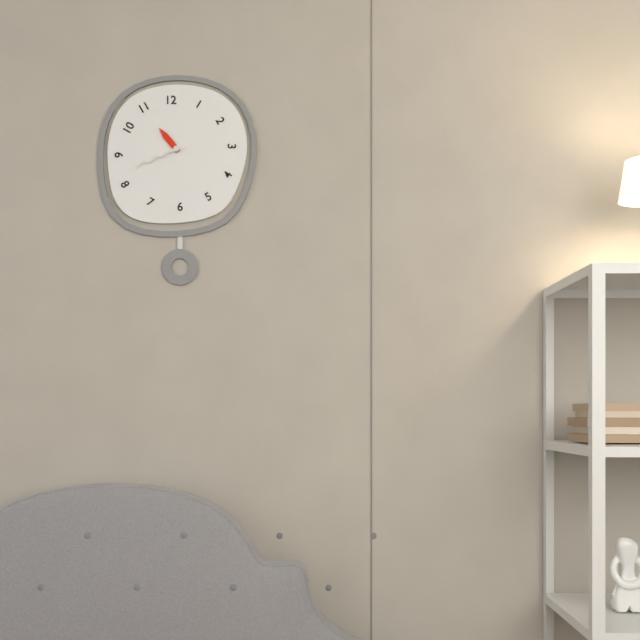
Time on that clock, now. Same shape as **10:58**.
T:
**10:41**
